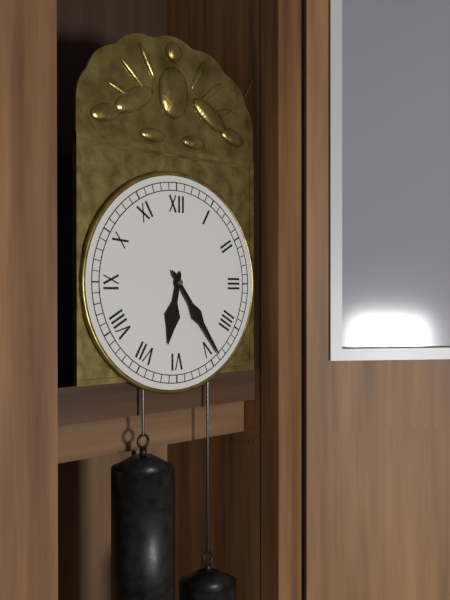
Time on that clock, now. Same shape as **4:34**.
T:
**6:24**
